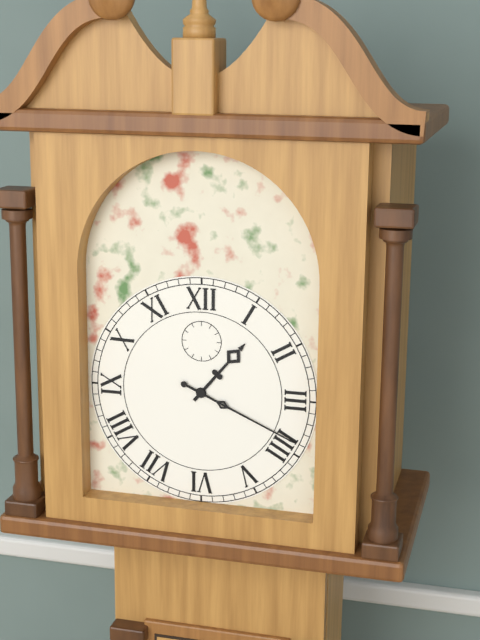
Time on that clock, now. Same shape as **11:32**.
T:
**1:19**
